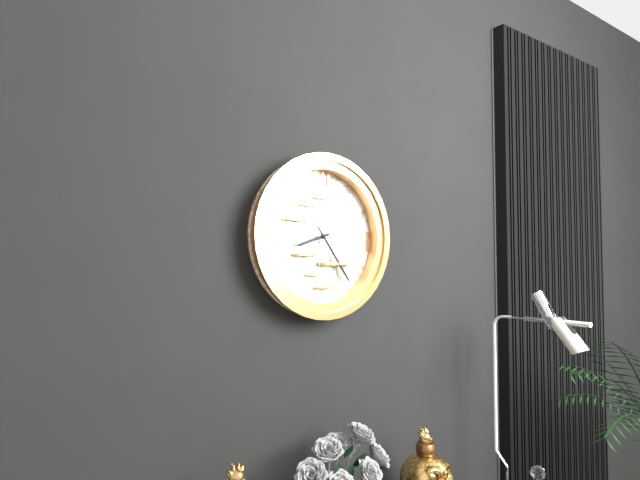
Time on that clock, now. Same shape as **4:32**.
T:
**8:24**
